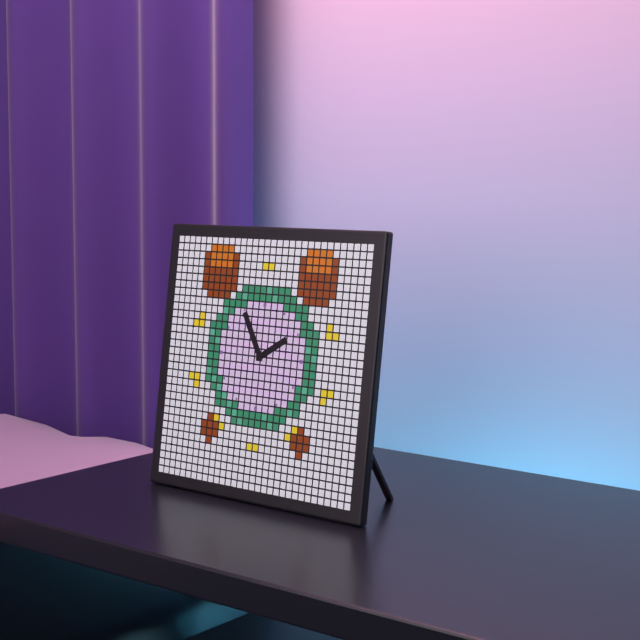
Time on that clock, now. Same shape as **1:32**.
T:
**1:55**
